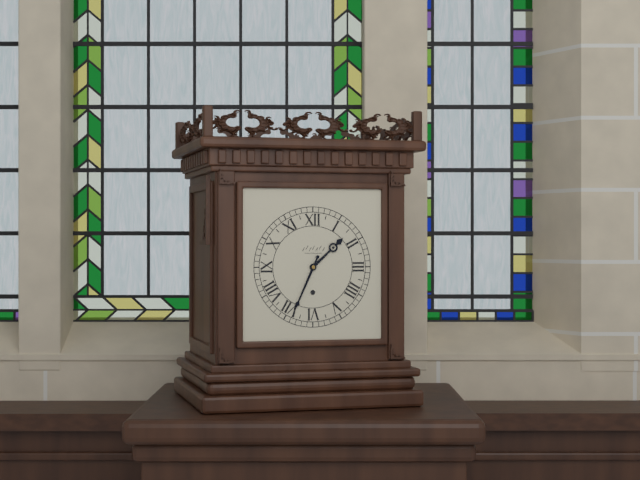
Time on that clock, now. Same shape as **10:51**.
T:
**1:34**
